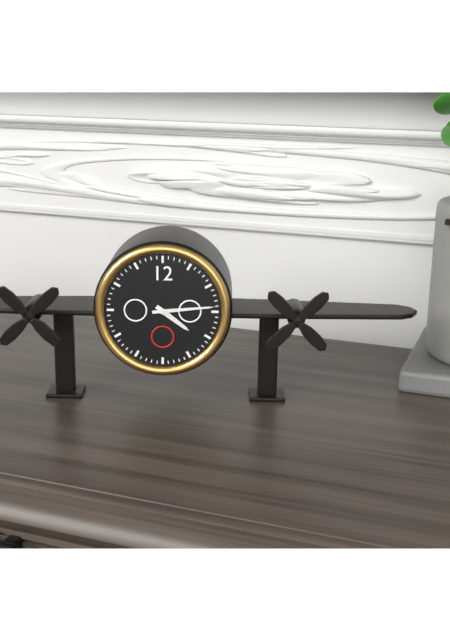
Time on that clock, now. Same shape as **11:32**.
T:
**4:14**
